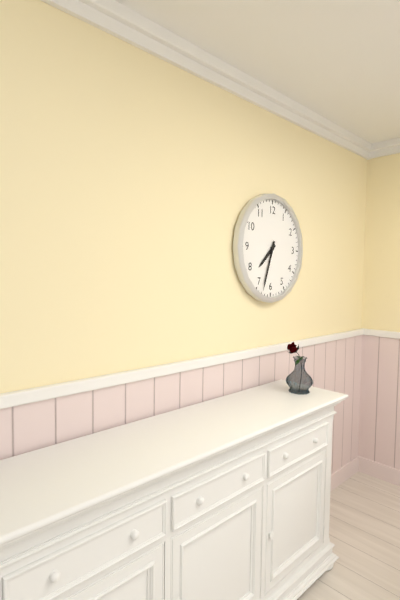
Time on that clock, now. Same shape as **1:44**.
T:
**7:33**
